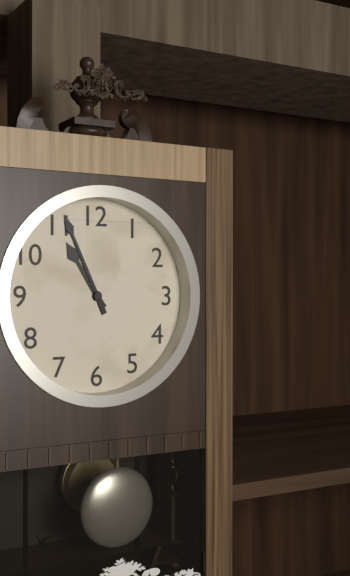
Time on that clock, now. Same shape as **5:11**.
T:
**10:56**
